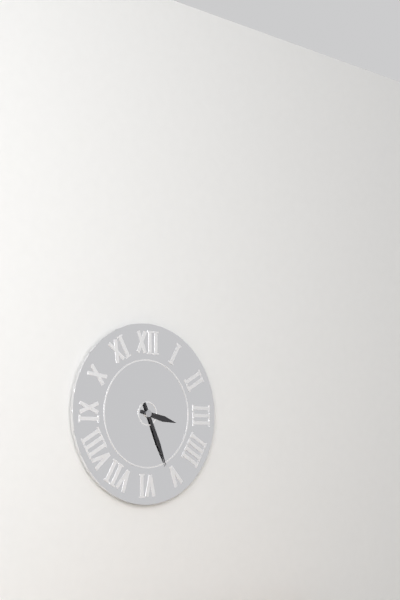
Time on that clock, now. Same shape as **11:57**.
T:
**3:26**
